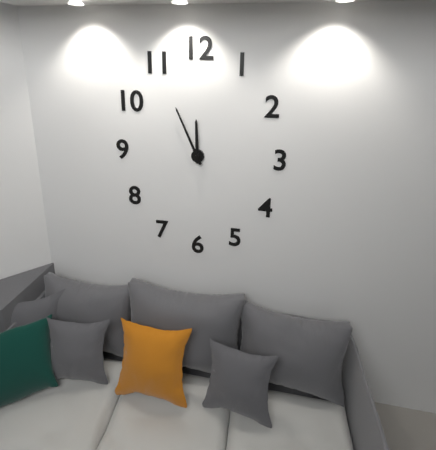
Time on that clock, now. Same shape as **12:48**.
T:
**11:56**
